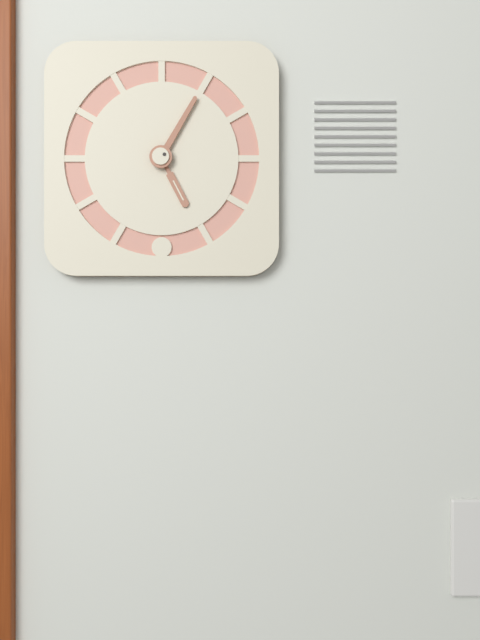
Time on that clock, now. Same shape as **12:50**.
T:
**5:05**
